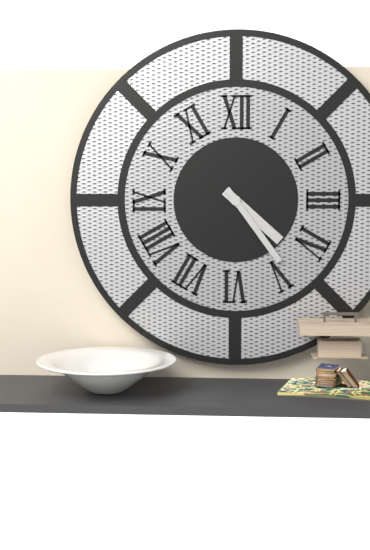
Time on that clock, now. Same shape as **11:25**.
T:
**4:24**
